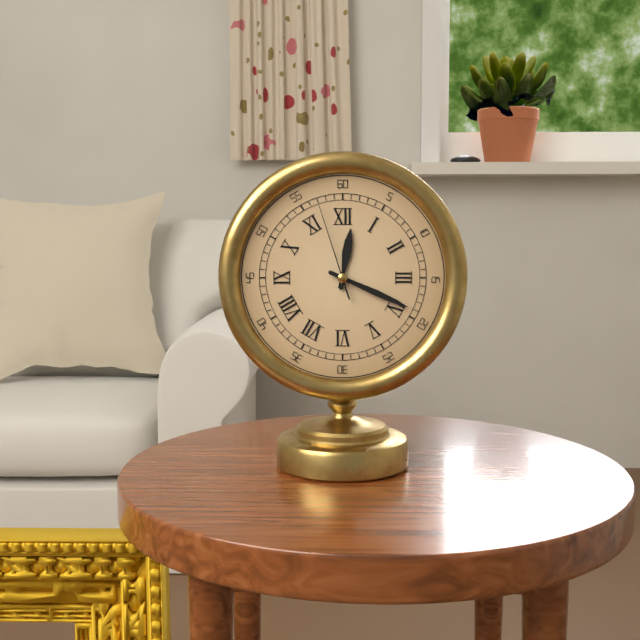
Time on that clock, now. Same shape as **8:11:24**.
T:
**12:19:57**
